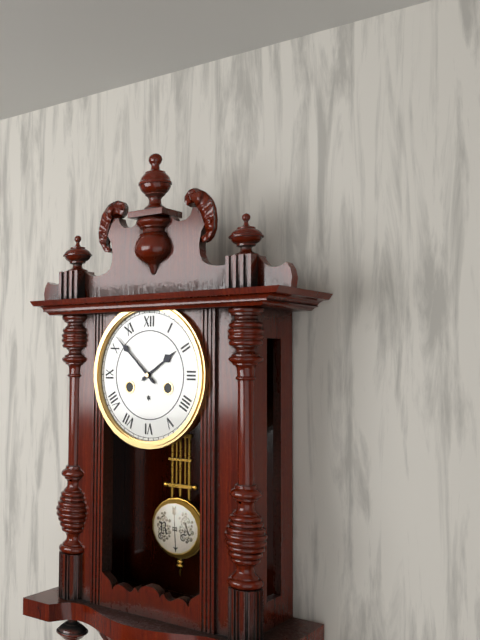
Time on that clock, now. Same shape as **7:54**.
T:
**1:52**
